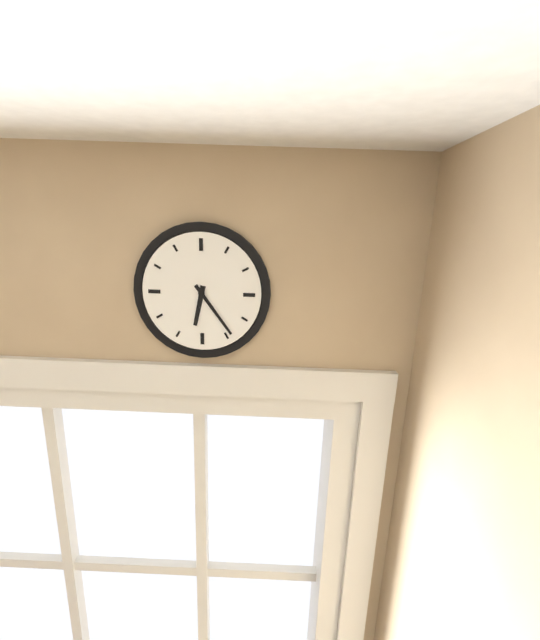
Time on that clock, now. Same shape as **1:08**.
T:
**6:24**
